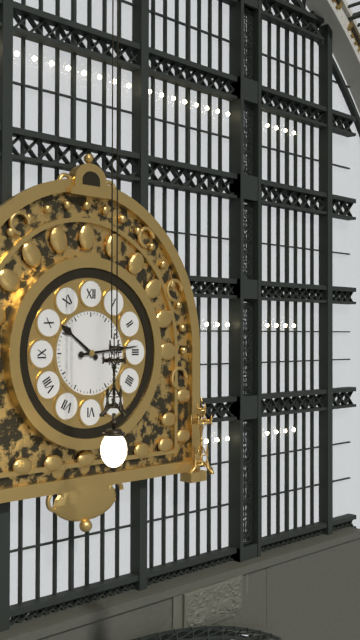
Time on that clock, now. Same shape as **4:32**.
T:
**10:14**
